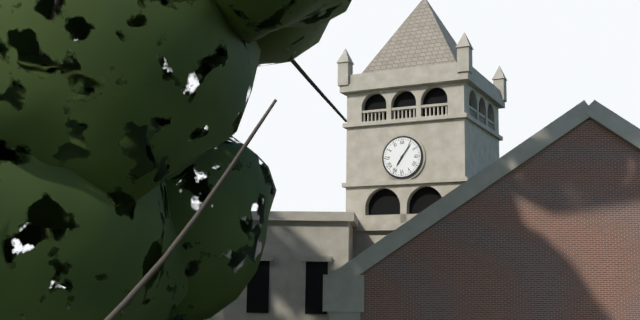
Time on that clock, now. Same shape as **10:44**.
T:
**7:06**
